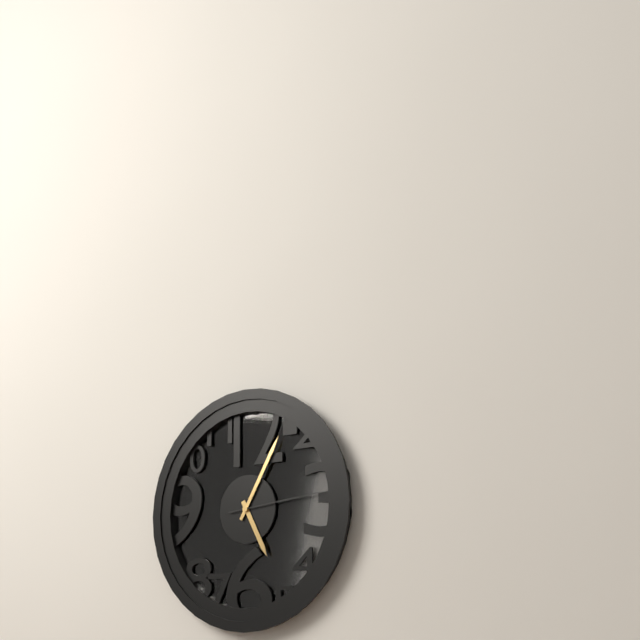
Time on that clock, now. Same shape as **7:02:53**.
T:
**5:05:14**
